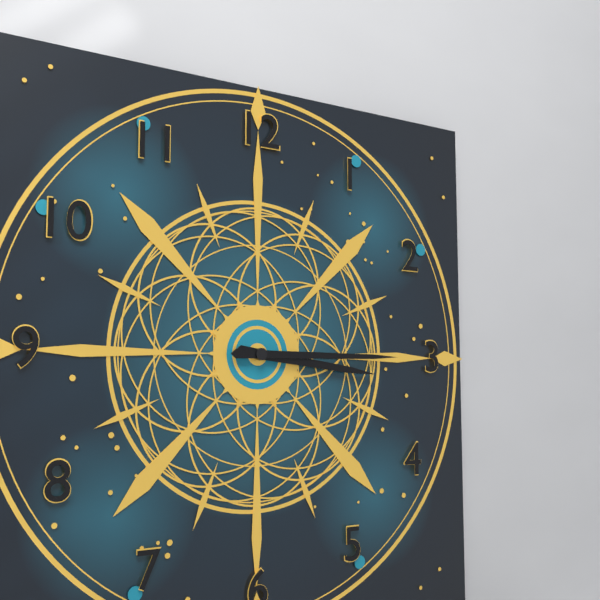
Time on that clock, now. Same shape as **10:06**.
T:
**3:15**
